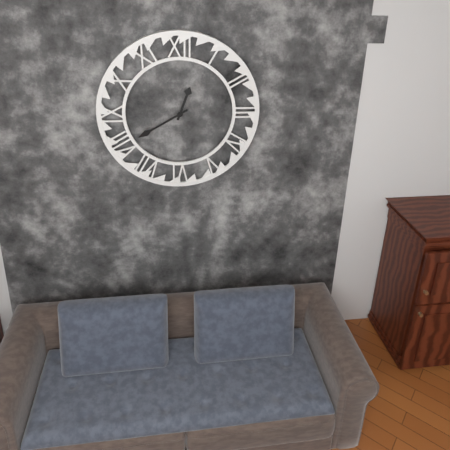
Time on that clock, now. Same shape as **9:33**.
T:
**12:40**
